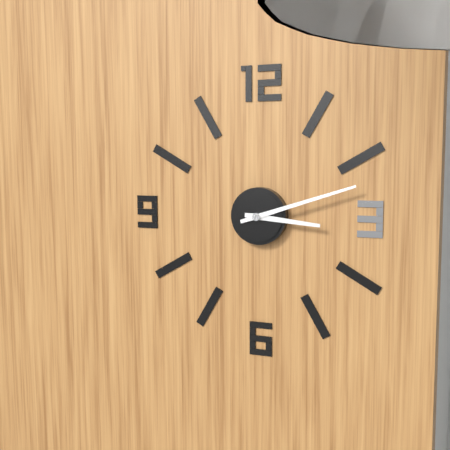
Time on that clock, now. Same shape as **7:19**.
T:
**3:12**
